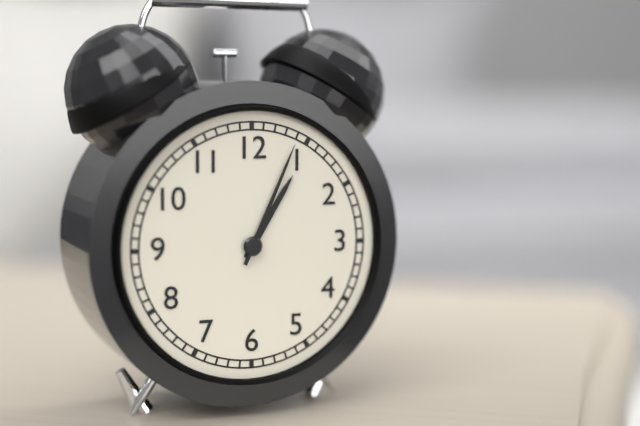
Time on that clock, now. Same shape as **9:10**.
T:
**1:04**
